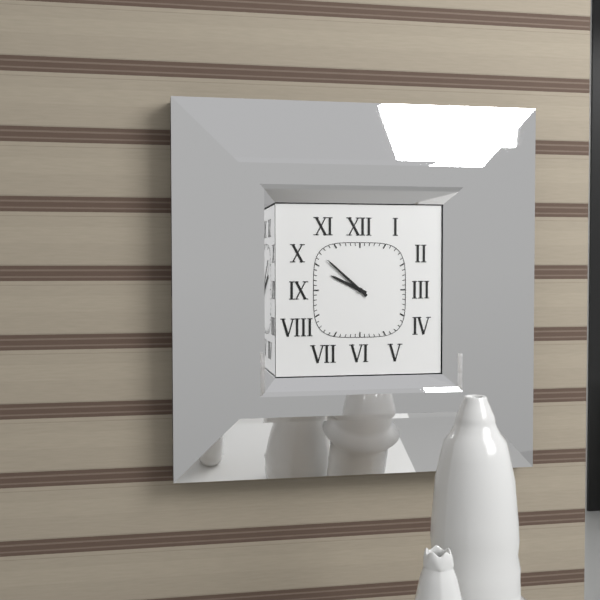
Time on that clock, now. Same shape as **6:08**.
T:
**9:52**
